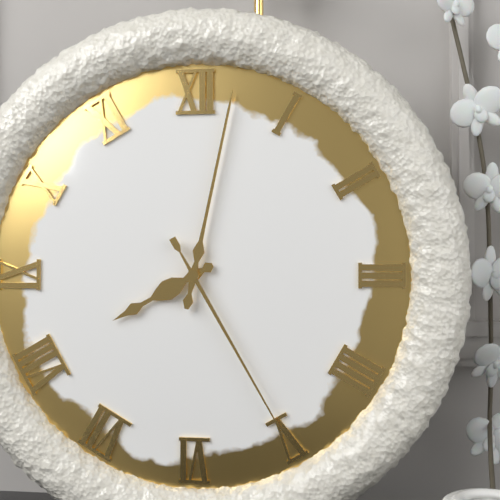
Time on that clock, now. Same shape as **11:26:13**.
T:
**8:02:25**
